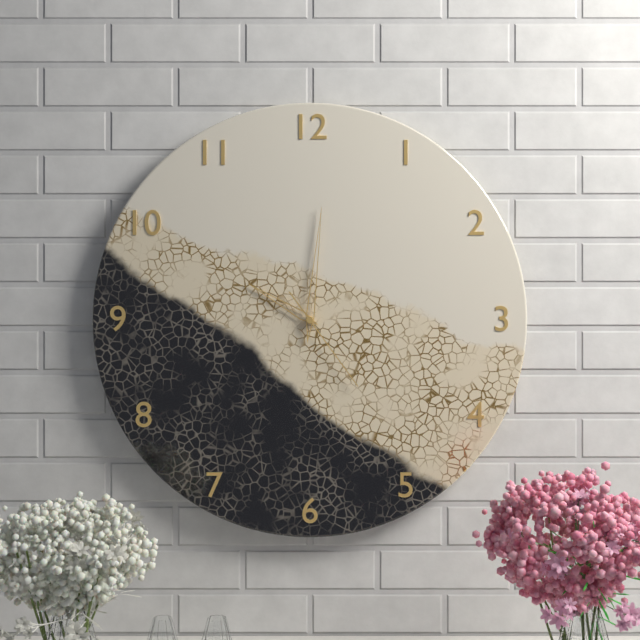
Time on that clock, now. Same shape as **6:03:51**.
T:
**10:01:24**
